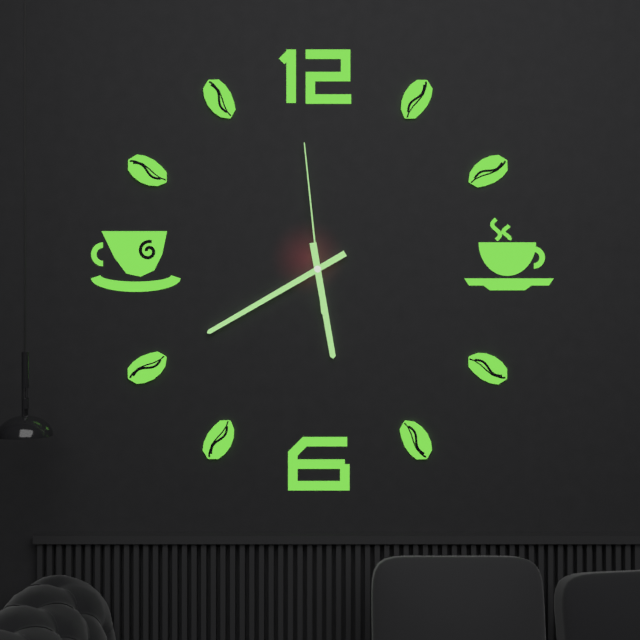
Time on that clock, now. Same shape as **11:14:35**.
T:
**5:40:59**
